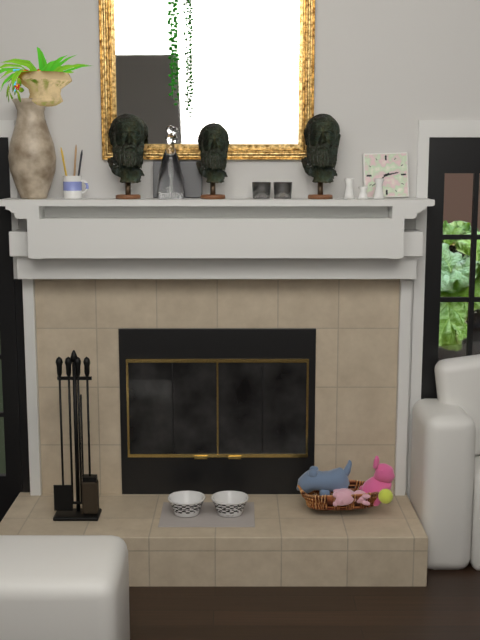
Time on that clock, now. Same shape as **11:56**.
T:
**2:39**
